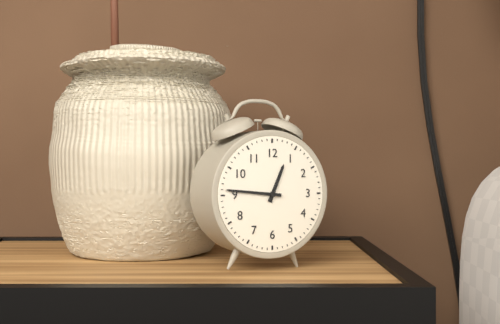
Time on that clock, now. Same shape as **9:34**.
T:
**12:46**
